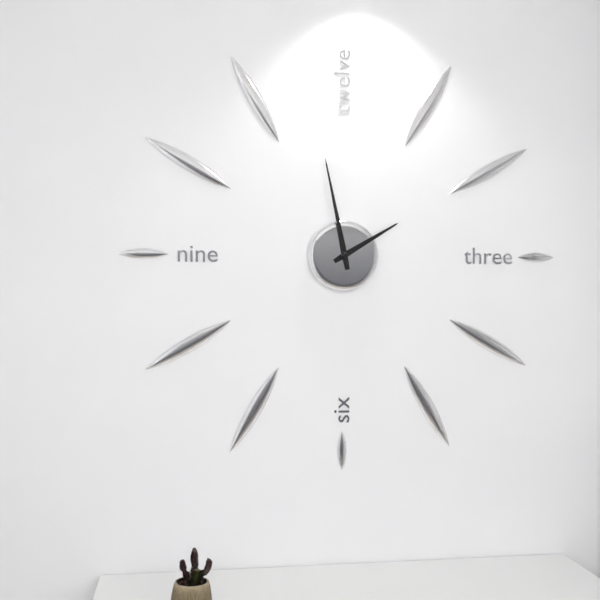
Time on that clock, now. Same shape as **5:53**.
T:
**1:58**
